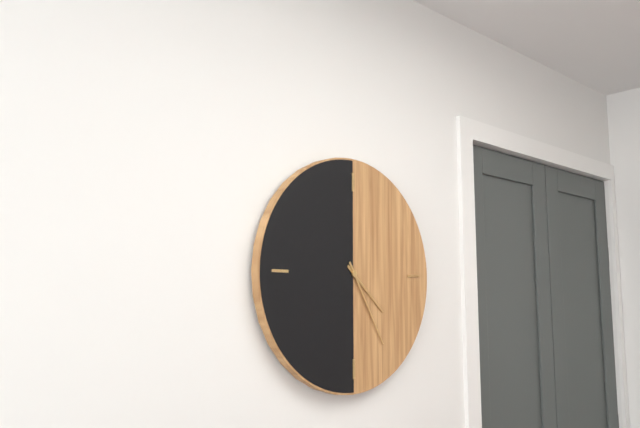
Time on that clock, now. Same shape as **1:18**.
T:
**4:25**
